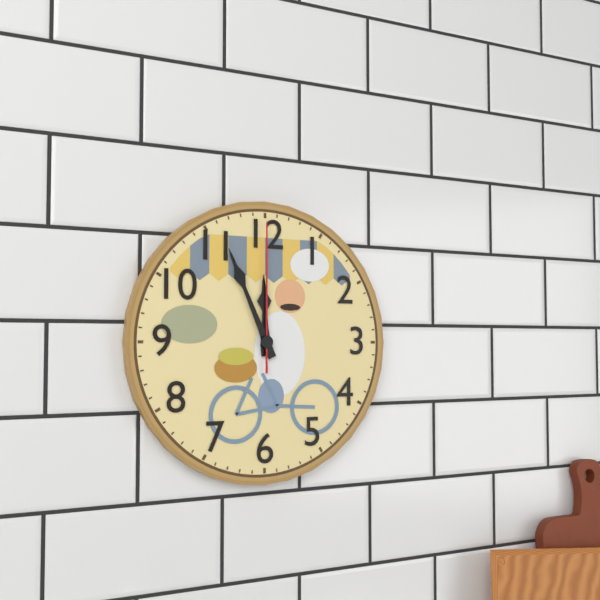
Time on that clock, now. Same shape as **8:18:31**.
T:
**11:56:00**
